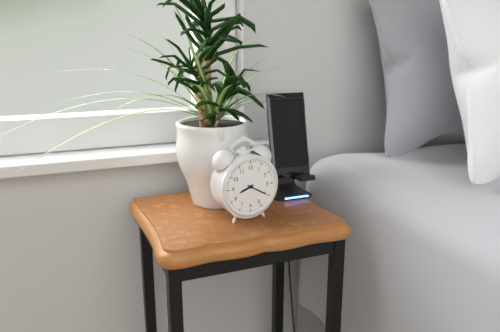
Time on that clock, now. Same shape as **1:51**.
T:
**8:20**
